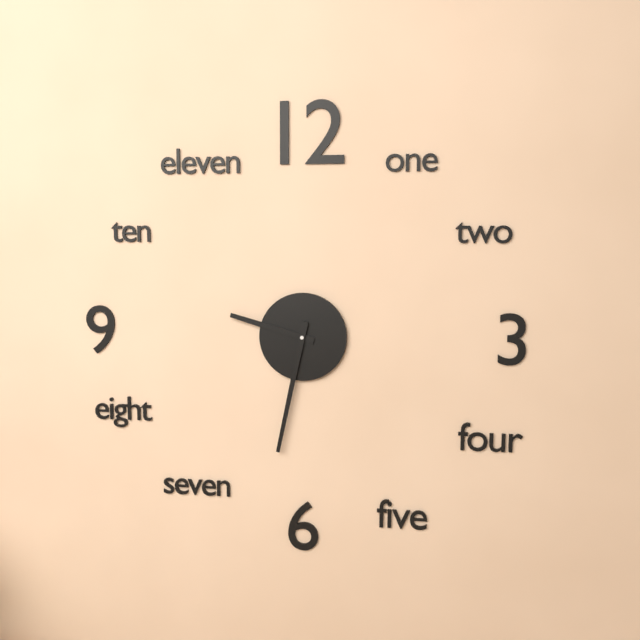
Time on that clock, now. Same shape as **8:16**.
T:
**9:32**
